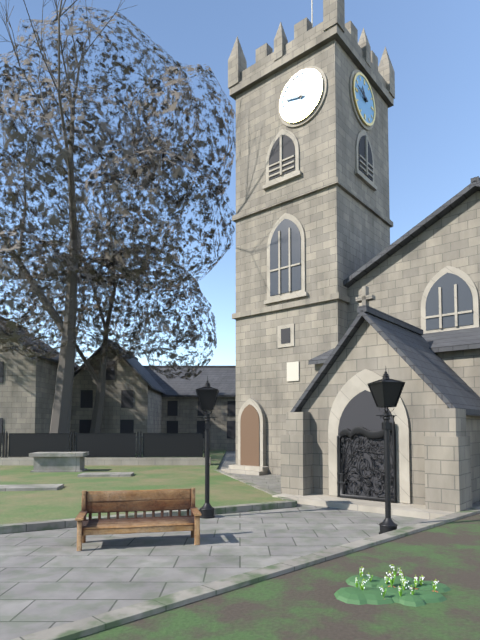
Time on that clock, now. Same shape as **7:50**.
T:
**10:47**
